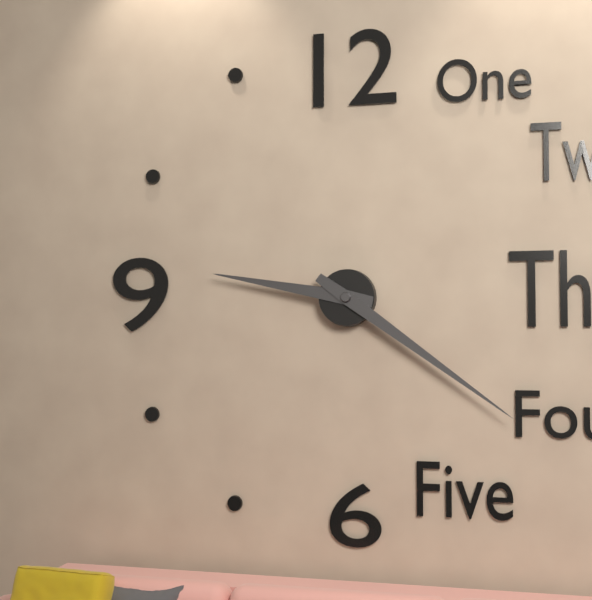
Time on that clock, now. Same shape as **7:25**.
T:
**9:21**
